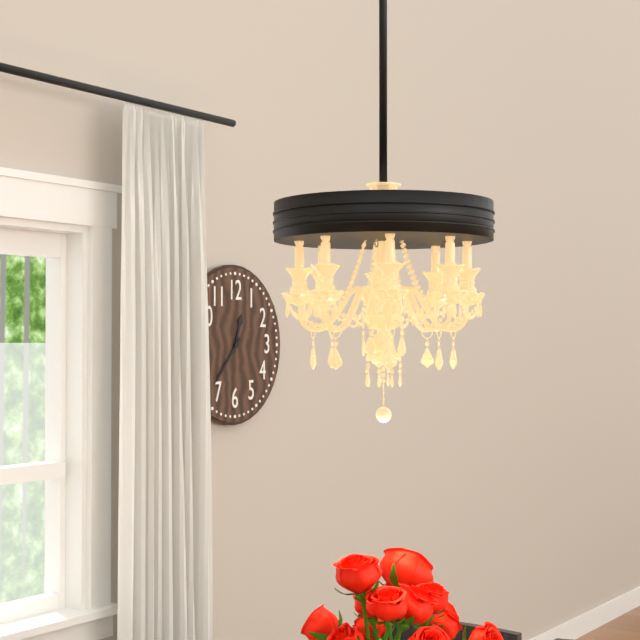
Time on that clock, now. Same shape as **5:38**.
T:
**12:37**
